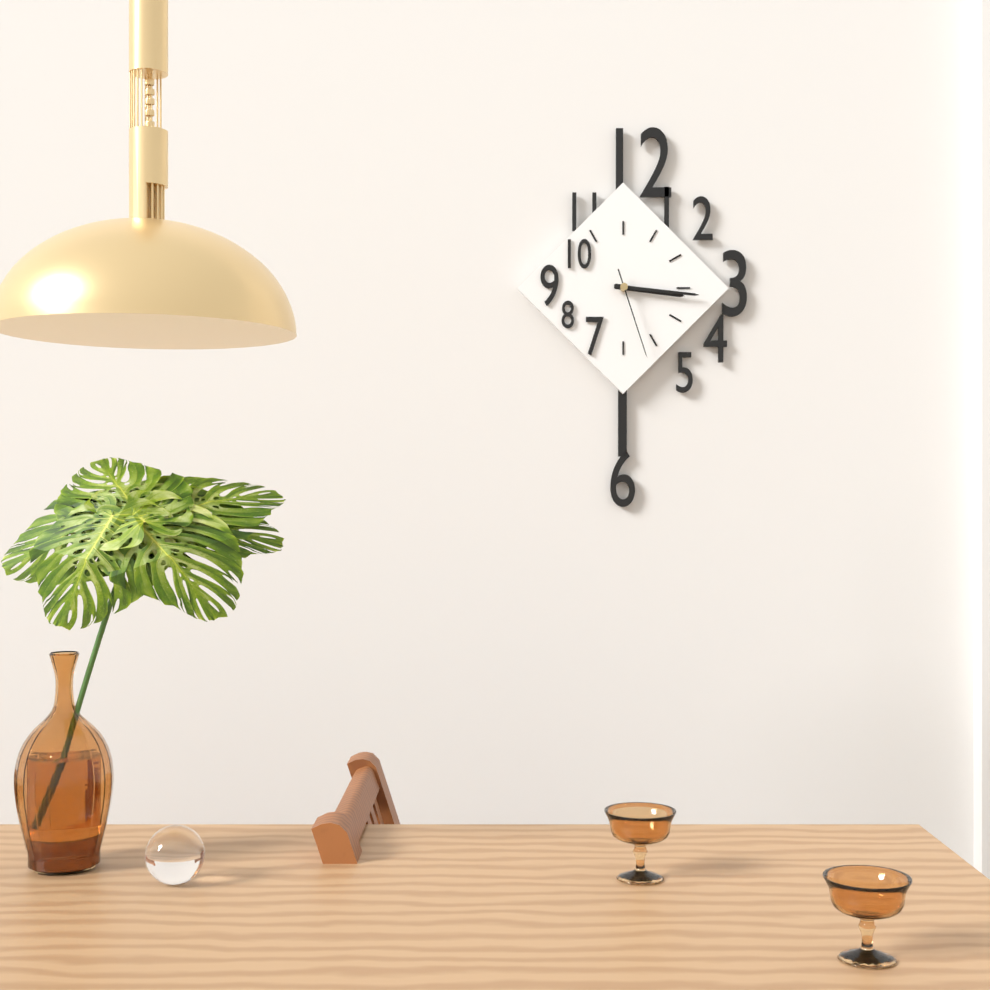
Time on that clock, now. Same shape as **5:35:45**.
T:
**3:16:27**
